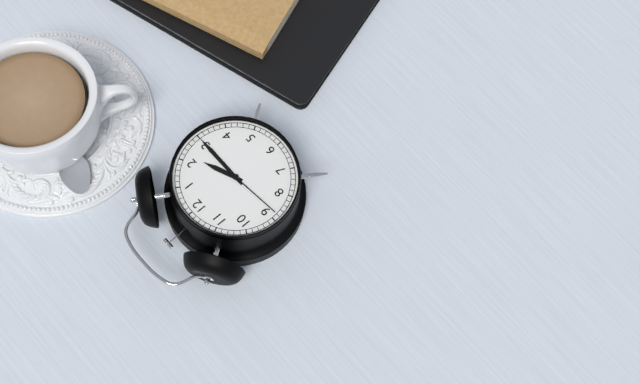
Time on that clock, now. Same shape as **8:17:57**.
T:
**2:15:44**
